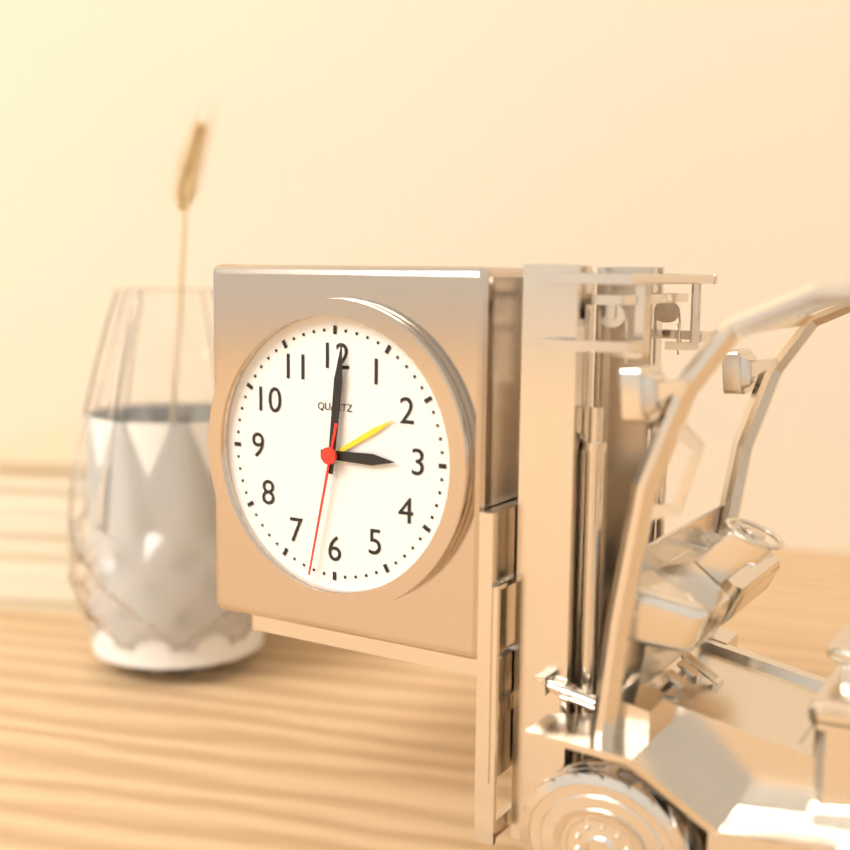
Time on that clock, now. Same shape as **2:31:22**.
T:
**3:01:32**
